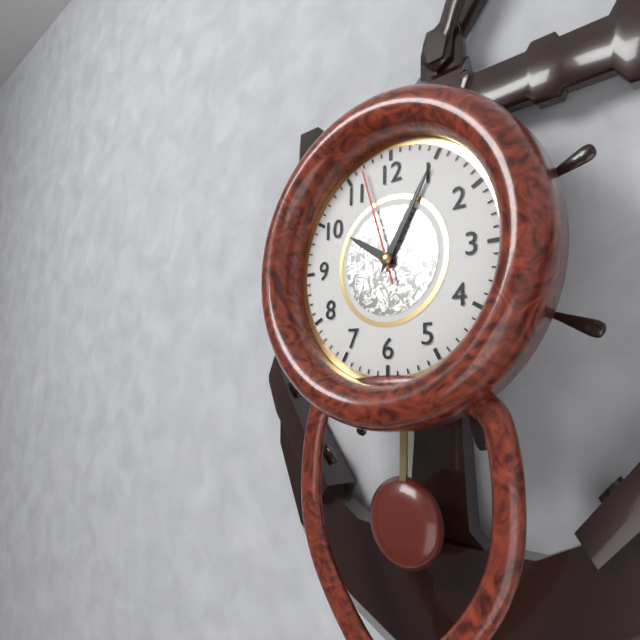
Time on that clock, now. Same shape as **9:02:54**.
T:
**10:05:57**
